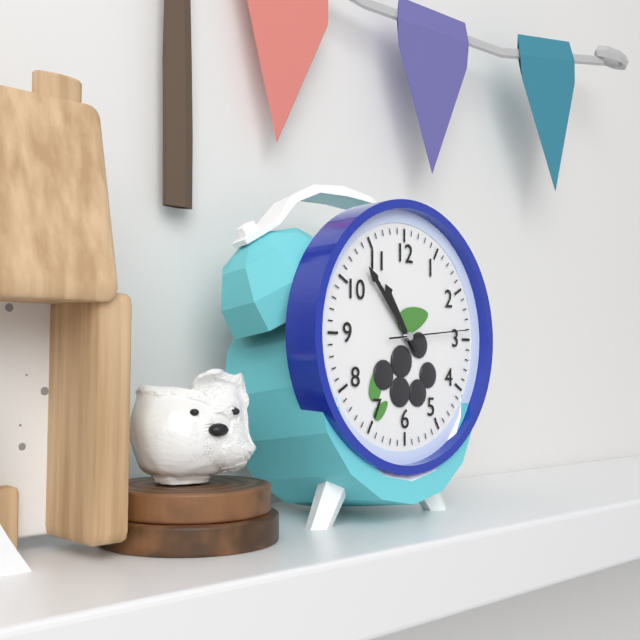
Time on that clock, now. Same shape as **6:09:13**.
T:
**10:53:14**
